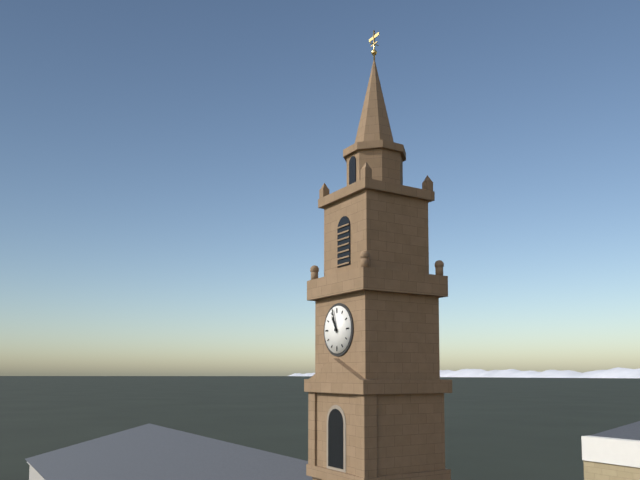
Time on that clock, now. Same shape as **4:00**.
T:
**10:57**
